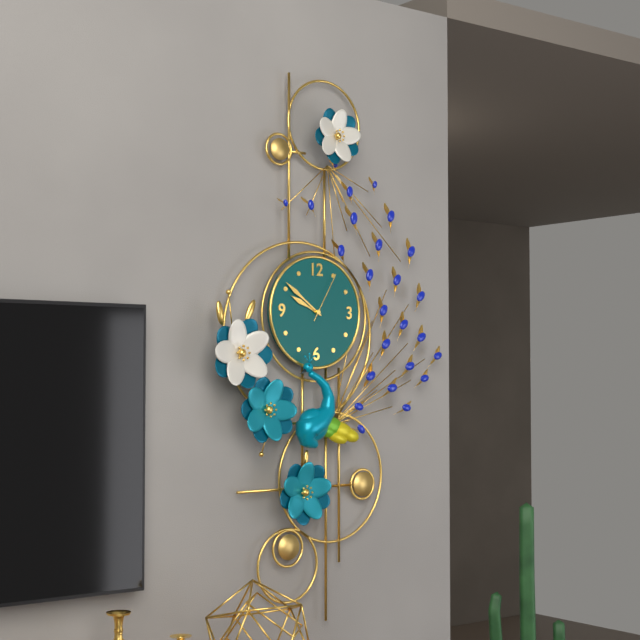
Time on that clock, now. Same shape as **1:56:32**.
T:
**9:51:05**
